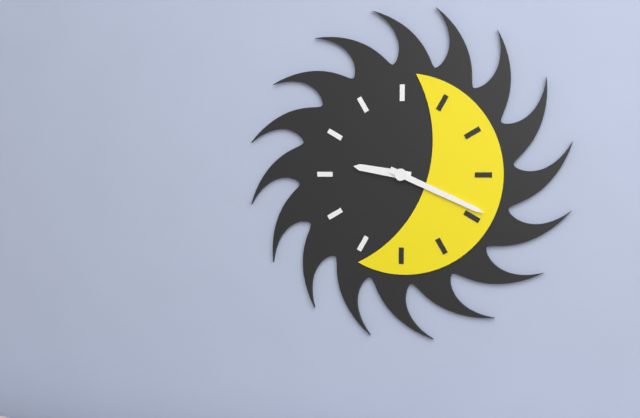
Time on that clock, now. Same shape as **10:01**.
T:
**9:19**
